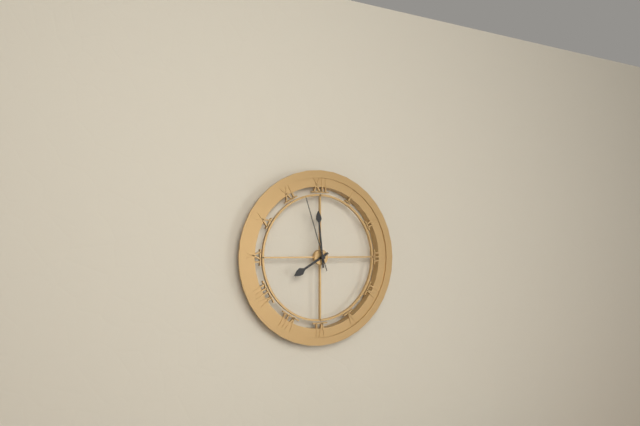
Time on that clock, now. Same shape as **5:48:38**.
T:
**7:59:57**
